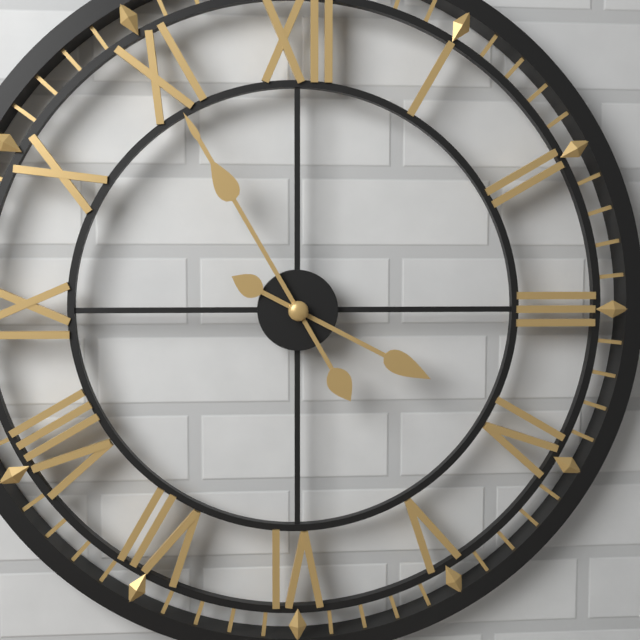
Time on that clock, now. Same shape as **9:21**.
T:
**3:55**
